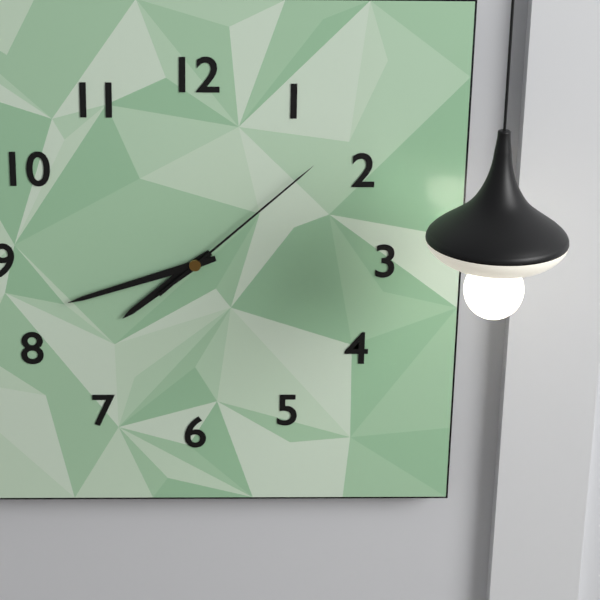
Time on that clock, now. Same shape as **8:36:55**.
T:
**7:42:08**
